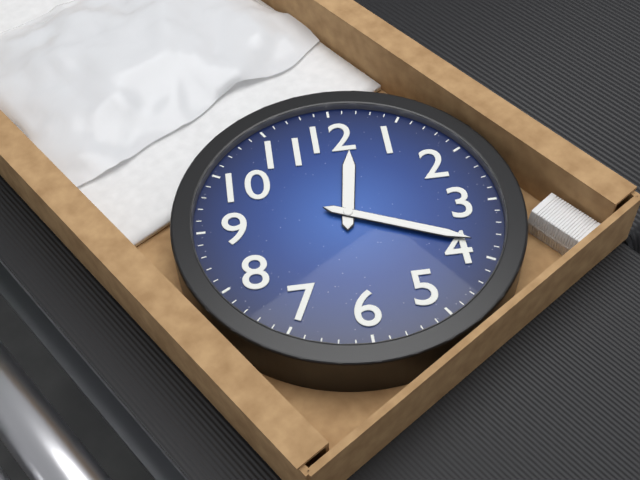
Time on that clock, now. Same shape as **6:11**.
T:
**12:19**
